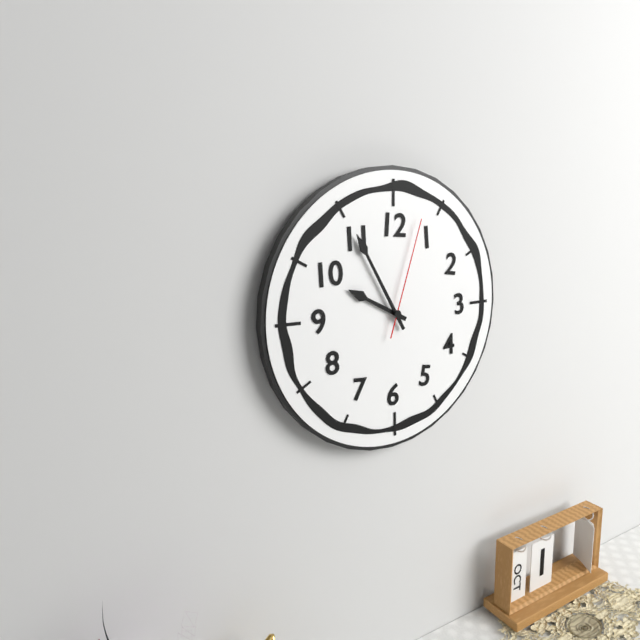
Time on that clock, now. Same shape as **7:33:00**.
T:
**9:55:03**
